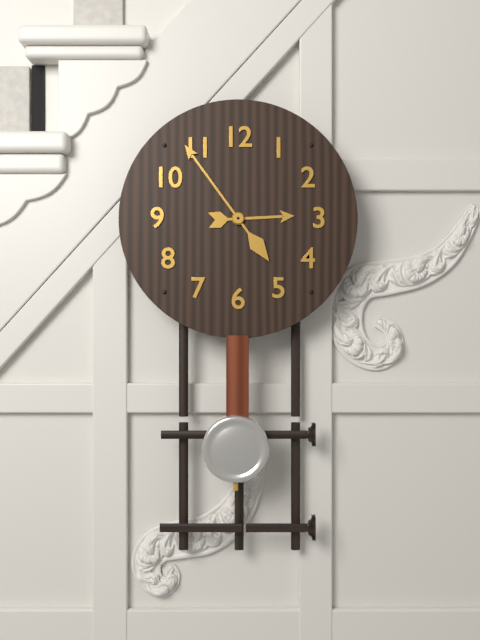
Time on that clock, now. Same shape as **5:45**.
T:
**2:54**
